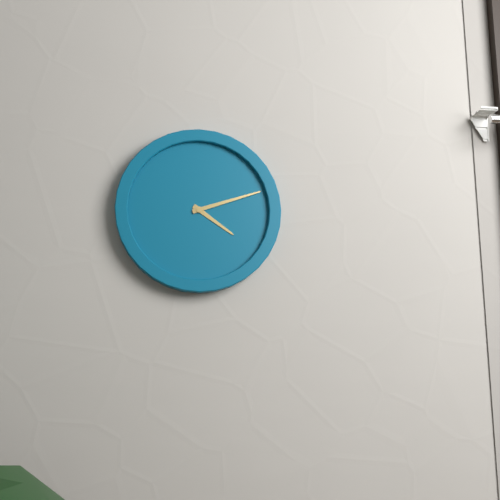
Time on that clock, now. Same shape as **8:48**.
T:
**4:12**
